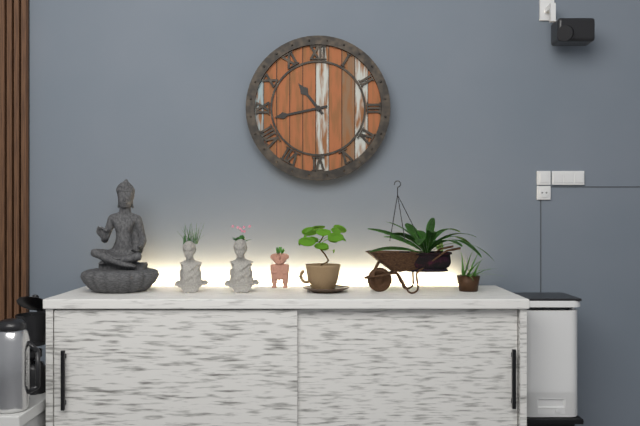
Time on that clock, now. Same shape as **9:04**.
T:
**10:43**
